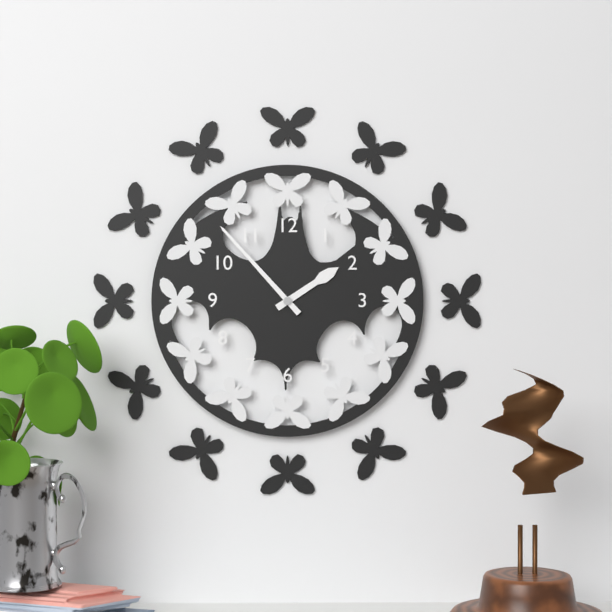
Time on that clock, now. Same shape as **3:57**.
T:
**1:53**
